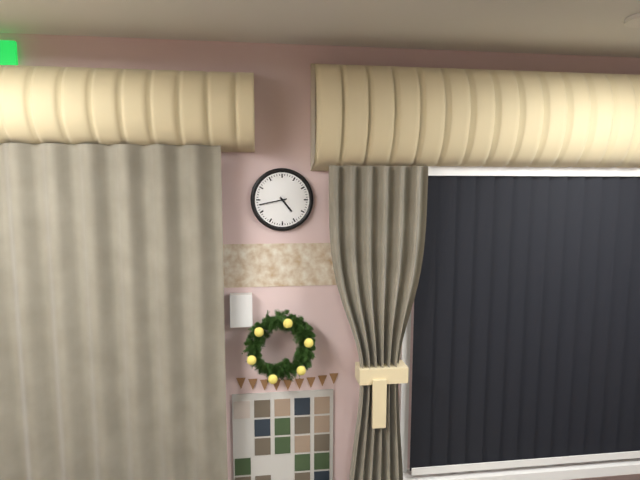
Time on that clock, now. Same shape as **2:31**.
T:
**4:43**
